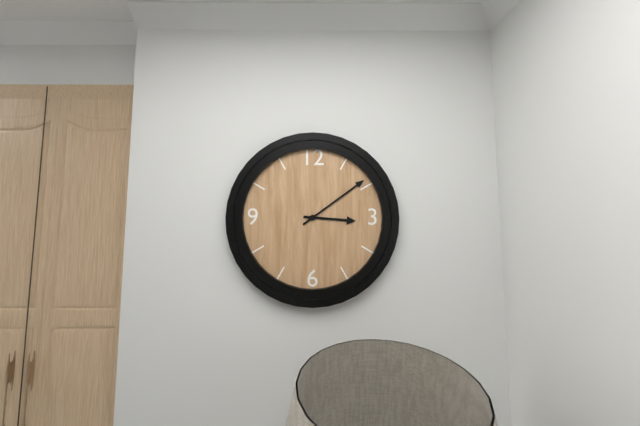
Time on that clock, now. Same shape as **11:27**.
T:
**3:09**
